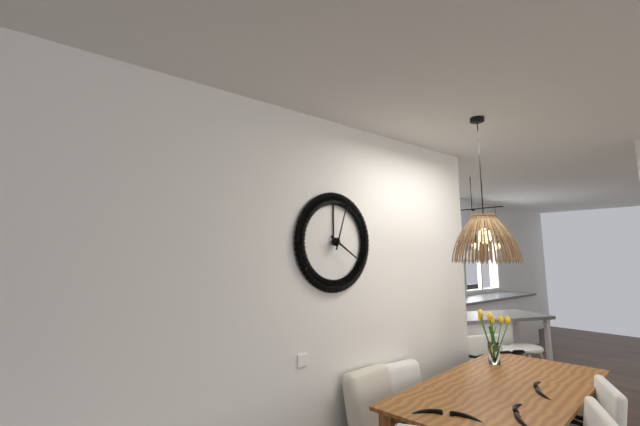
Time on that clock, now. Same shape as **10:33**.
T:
**4:03**
